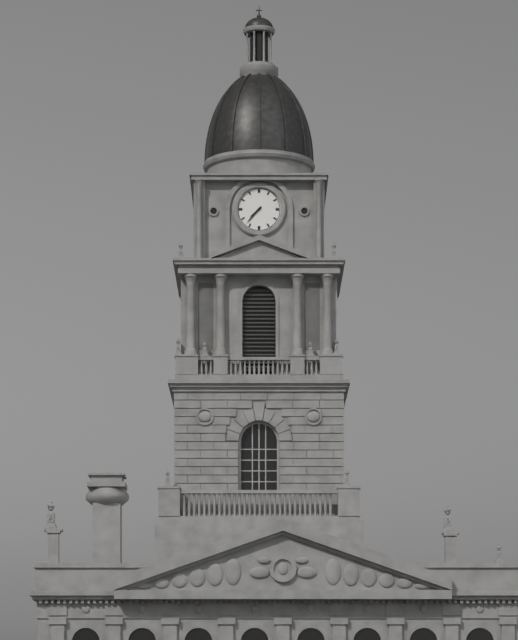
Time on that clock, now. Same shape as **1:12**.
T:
**7:37**
